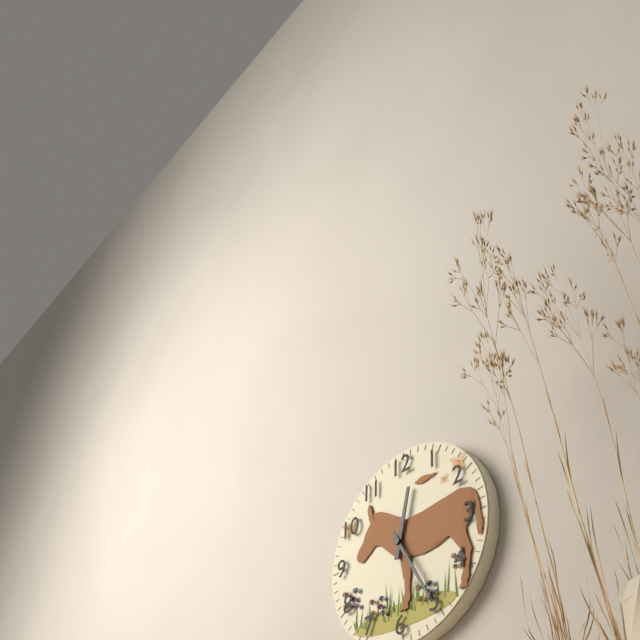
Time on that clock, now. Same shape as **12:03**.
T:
**12:25**
